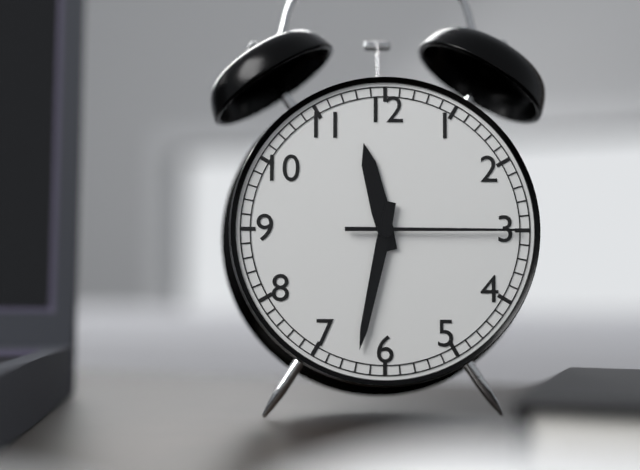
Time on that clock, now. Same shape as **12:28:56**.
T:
**11:32:15**
